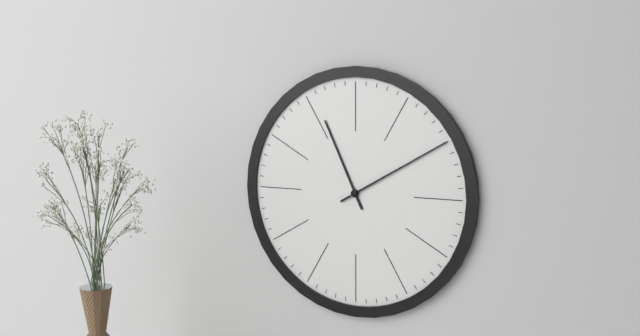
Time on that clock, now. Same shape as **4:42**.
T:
**11:10**
